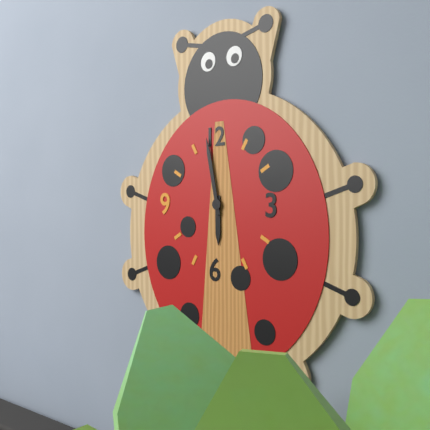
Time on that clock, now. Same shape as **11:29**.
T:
**5:58**
